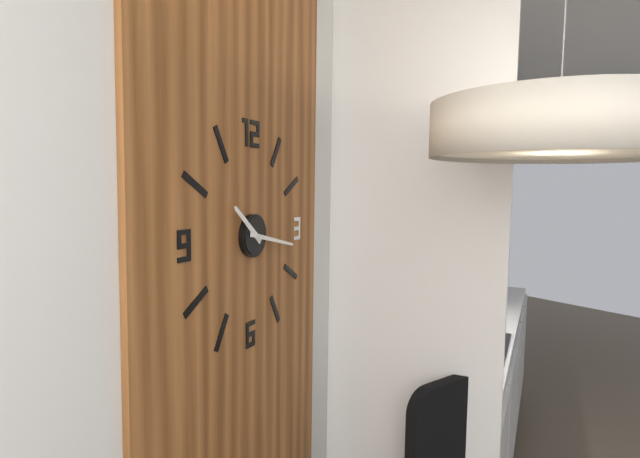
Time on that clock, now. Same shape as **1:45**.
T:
**10:17**
